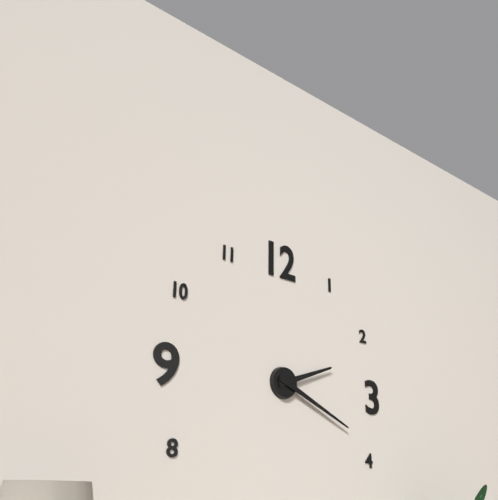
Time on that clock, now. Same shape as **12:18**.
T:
**2:19**
